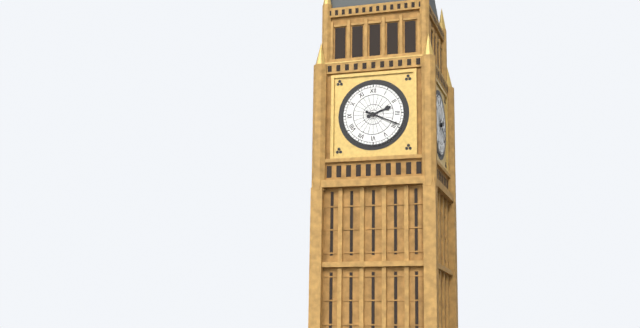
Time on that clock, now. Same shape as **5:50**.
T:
**2:19**
